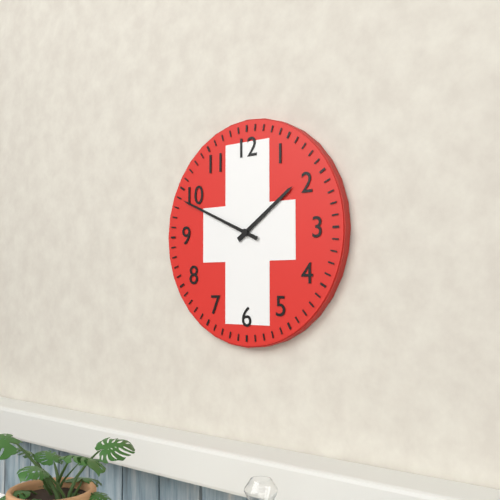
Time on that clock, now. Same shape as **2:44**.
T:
**1:49**
